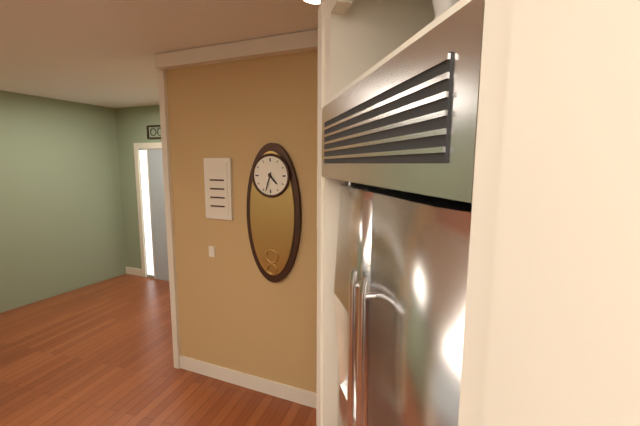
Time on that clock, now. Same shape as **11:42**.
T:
**4:33**
